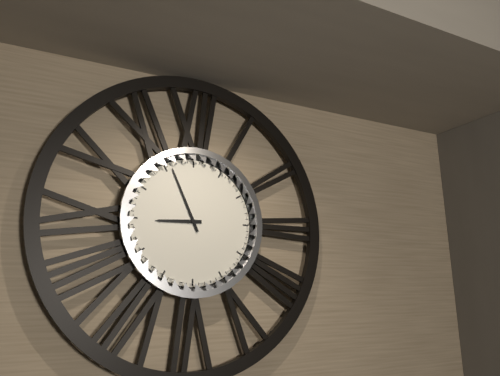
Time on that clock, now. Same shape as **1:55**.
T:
**8:56**
